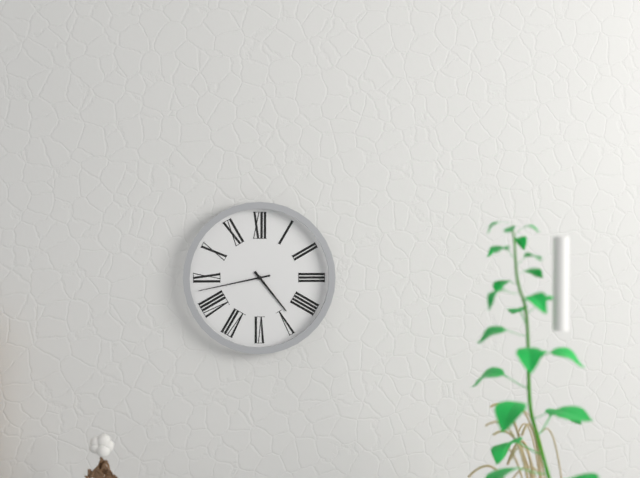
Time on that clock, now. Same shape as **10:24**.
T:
**4:43**
